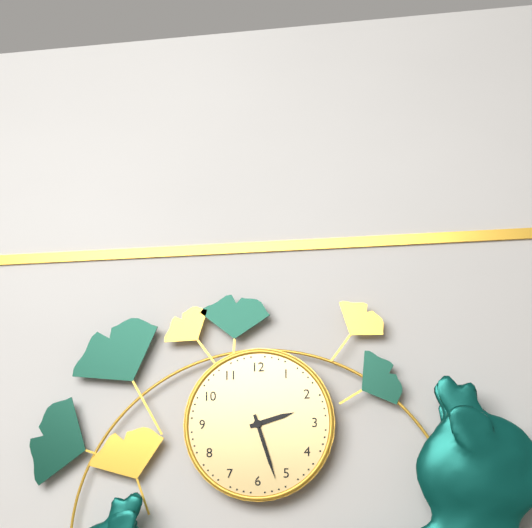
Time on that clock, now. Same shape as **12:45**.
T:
**2:27**
